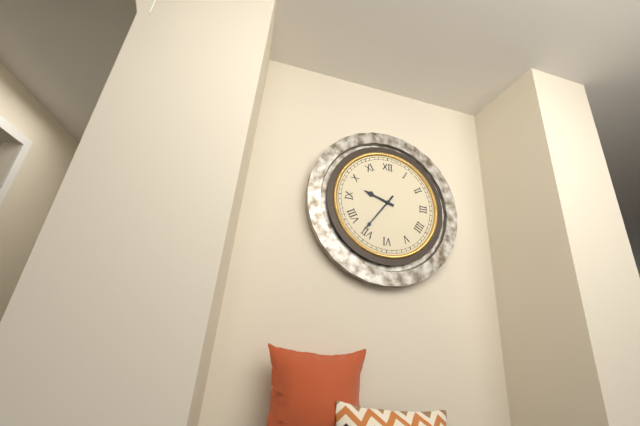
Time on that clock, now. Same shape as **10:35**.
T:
**9:36**
